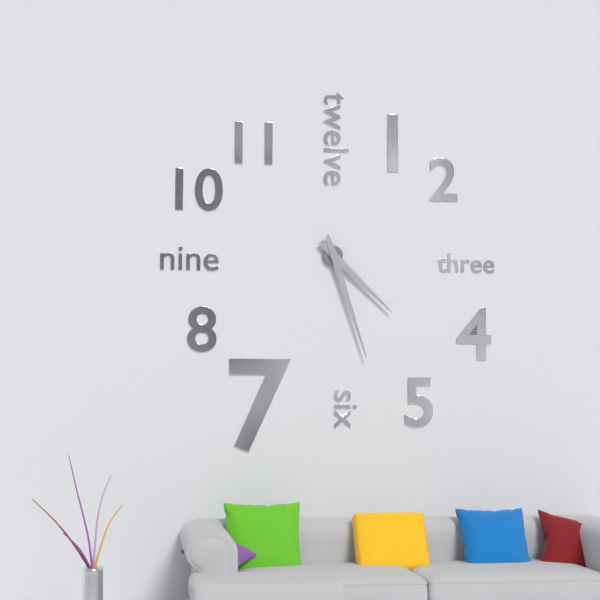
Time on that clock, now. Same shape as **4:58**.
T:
**4:27**
